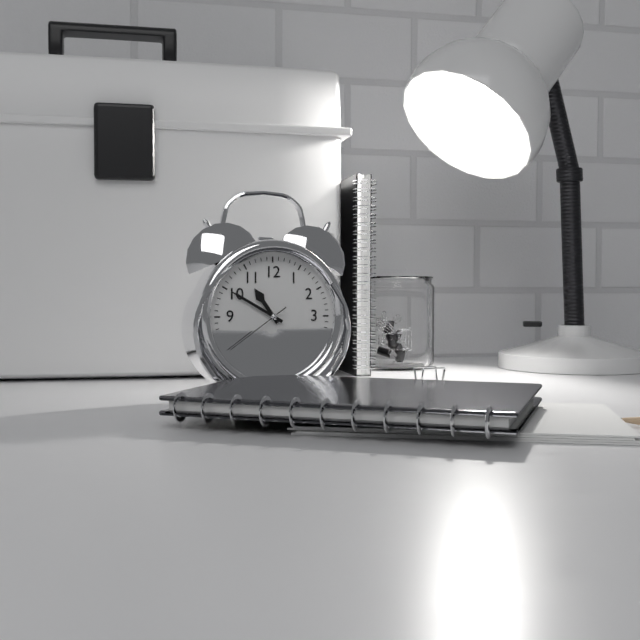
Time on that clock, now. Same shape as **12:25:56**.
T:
**10:50:39**
